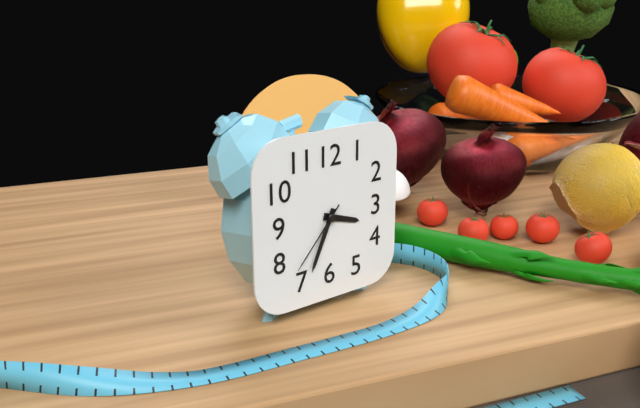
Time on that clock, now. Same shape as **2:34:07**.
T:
**3:34:37**
